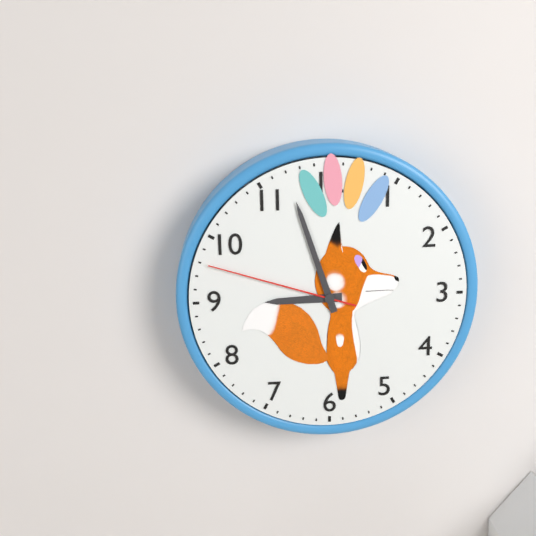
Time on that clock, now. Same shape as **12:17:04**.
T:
**8:57:48**
